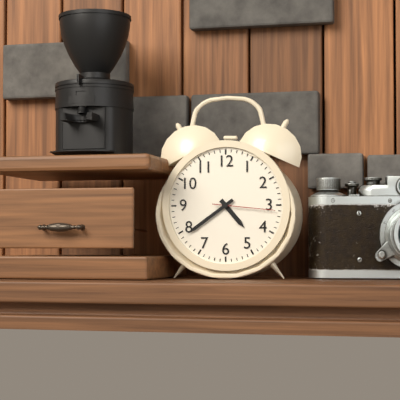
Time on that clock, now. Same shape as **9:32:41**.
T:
**4:39:16**
